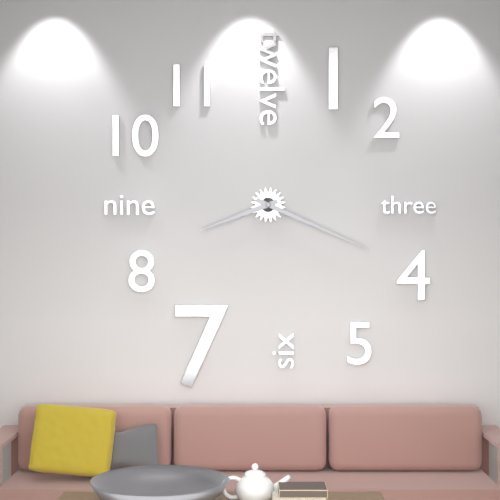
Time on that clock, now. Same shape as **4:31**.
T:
**8:19**
